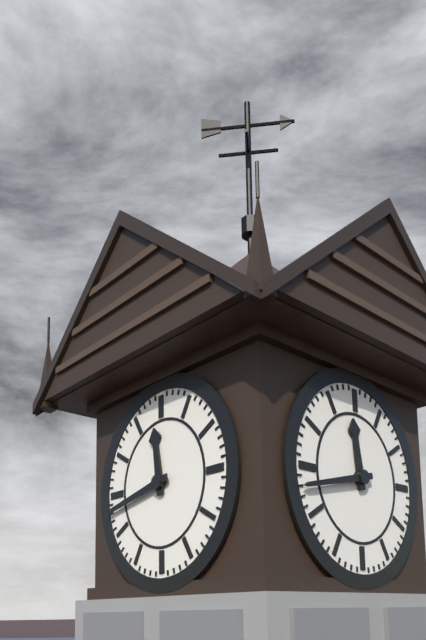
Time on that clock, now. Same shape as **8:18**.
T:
**11:43**
